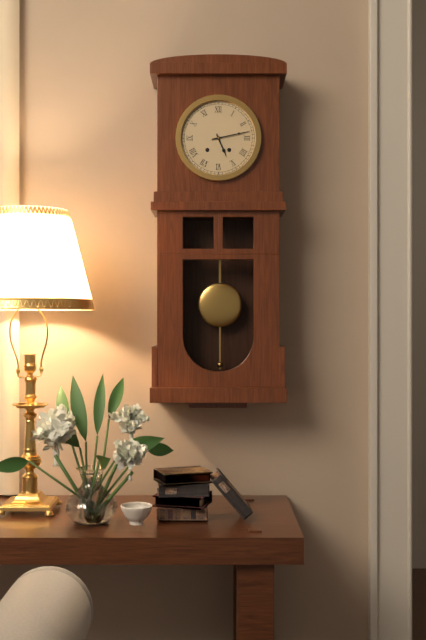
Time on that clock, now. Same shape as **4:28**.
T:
**5:13**
